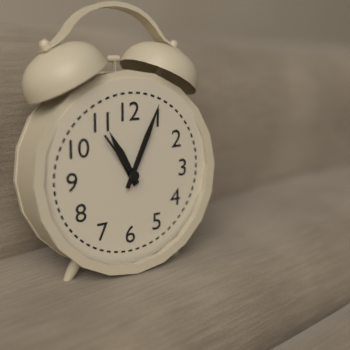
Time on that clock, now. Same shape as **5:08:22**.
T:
**11:04:54**
